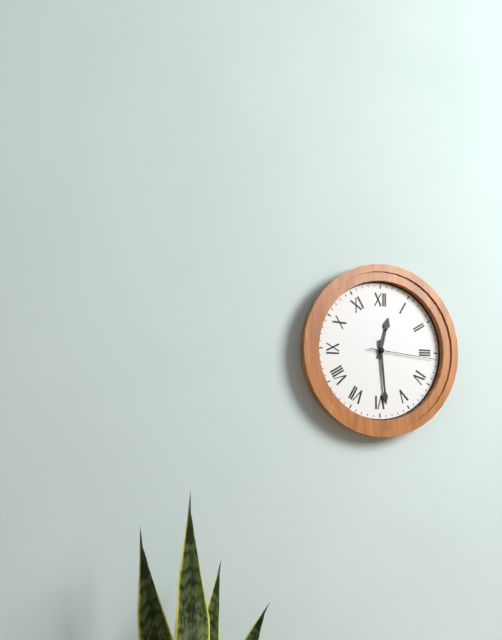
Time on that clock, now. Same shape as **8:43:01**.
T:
**12:29:16**
